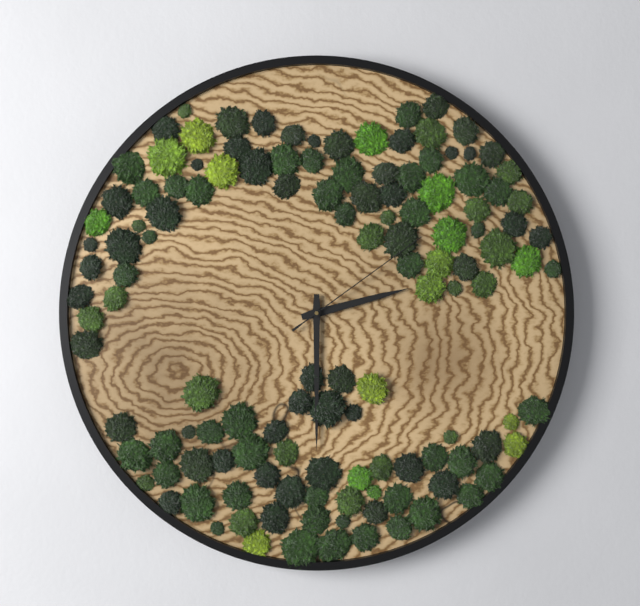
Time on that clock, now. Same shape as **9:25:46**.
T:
**2:30:09**
